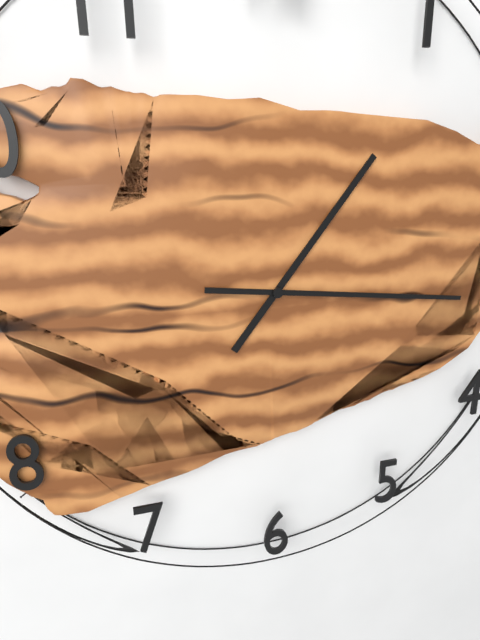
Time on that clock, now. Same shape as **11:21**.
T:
**1:16**
